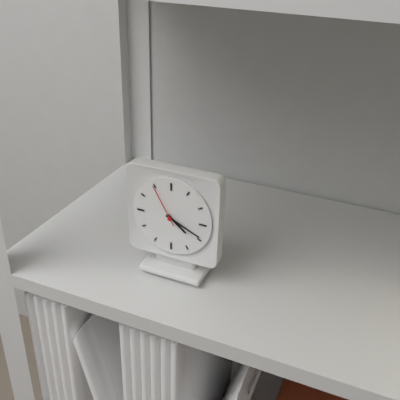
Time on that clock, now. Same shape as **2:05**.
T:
**4:19**
